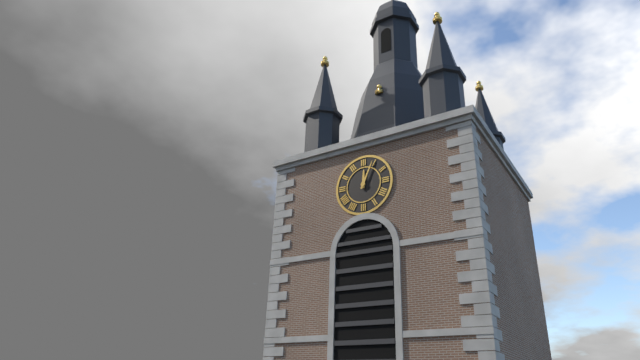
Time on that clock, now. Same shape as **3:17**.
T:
**12:04**
